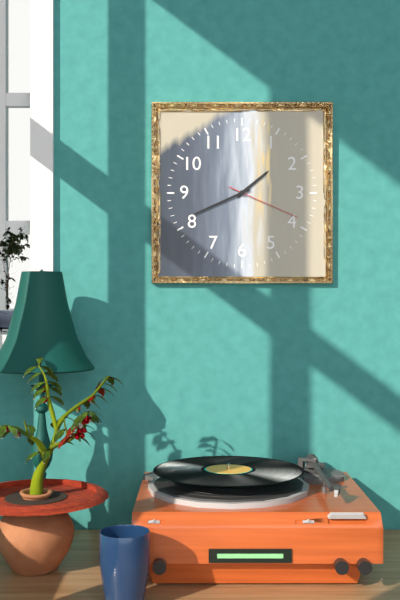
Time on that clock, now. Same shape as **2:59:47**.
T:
**1:41:19**
